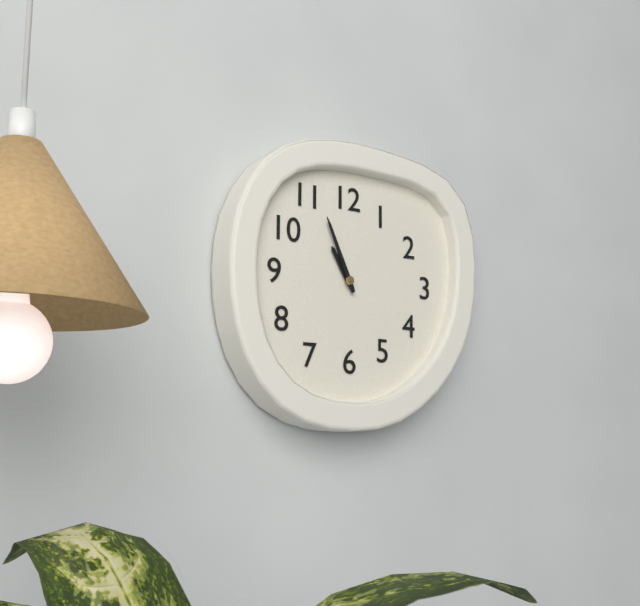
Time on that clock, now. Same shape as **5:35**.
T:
**10:56**
